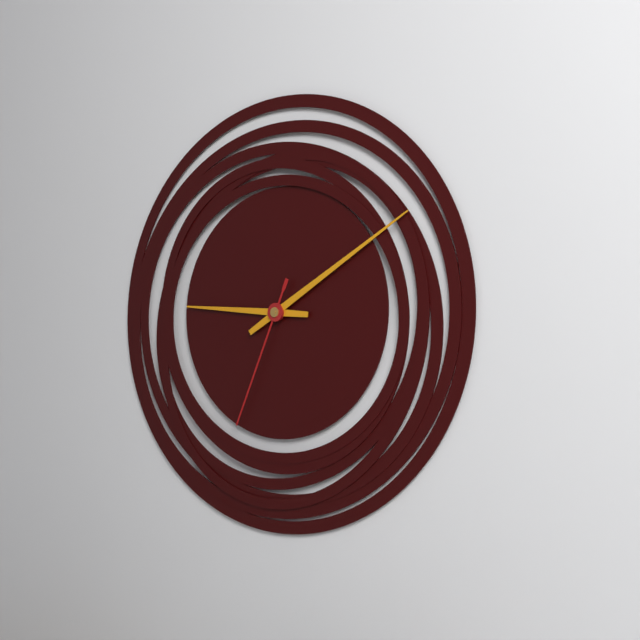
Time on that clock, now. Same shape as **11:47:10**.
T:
**9:10:34**
